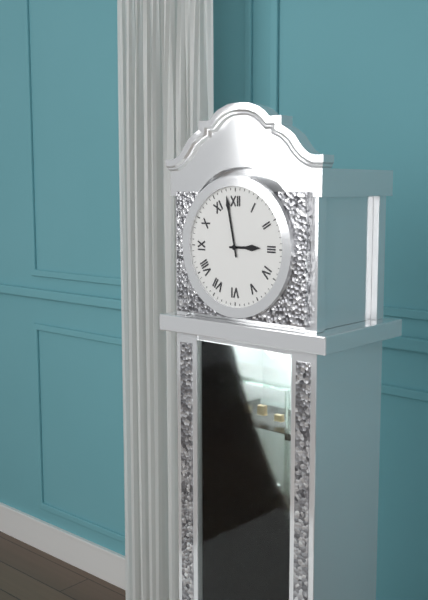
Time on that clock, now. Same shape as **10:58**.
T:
**2:58**
